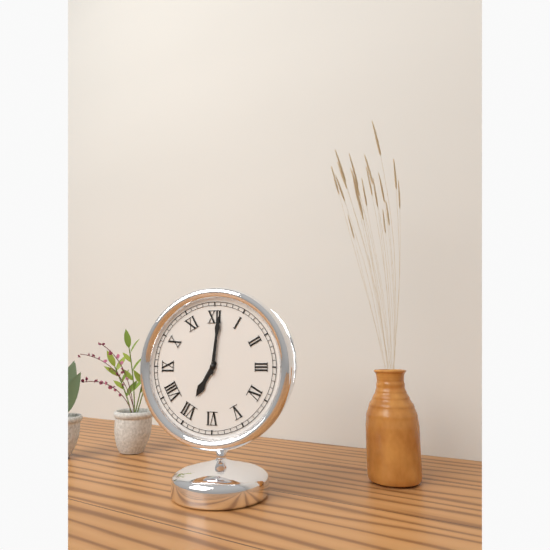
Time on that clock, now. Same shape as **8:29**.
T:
**7:01**
